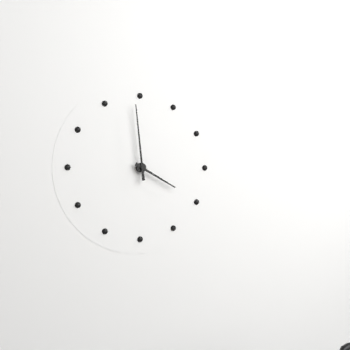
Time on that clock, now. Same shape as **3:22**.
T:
**3:59**
